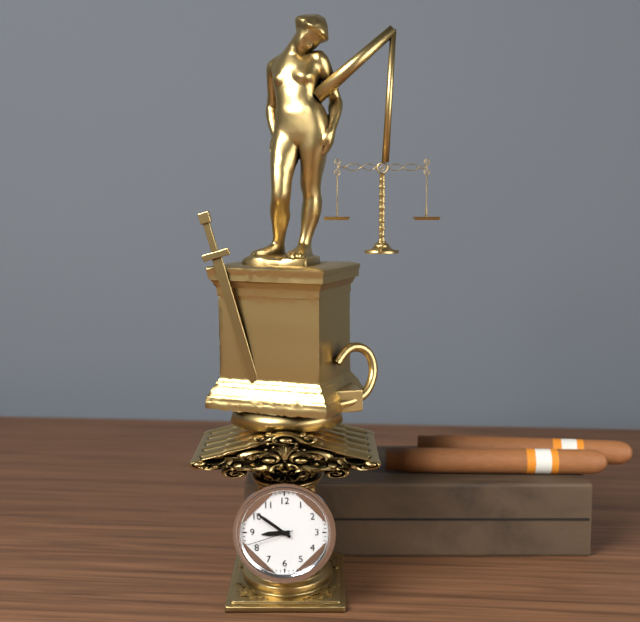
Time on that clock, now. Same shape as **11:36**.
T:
**8:51**
